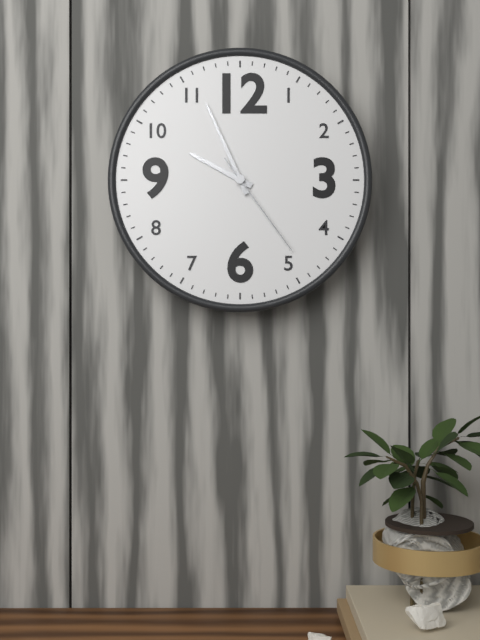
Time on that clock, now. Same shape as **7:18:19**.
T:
**9:56:24**
